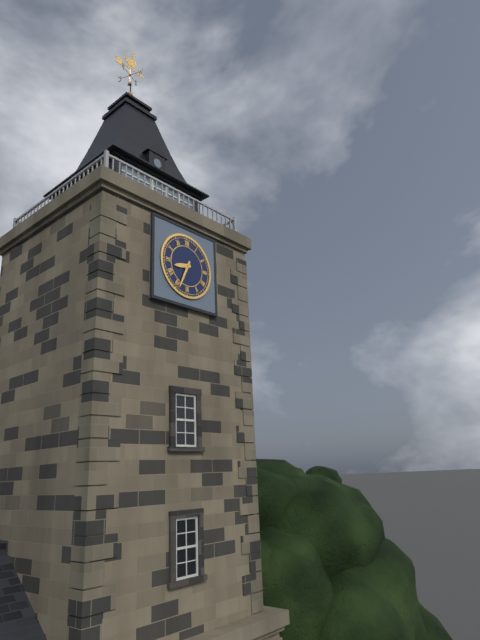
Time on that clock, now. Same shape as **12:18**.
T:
**8:34**
